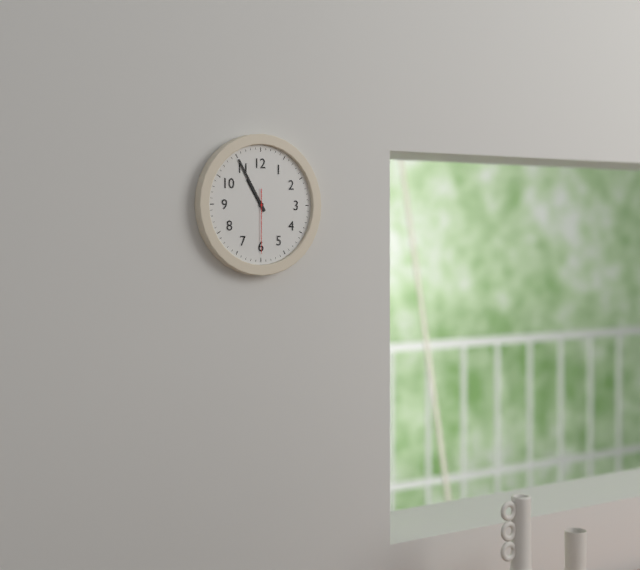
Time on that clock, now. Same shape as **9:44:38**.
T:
**10:55:30**
